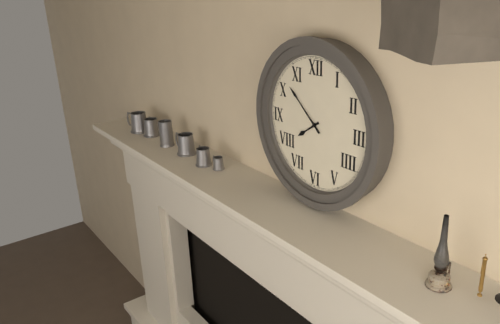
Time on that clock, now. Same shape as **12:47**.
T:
**7:52**
